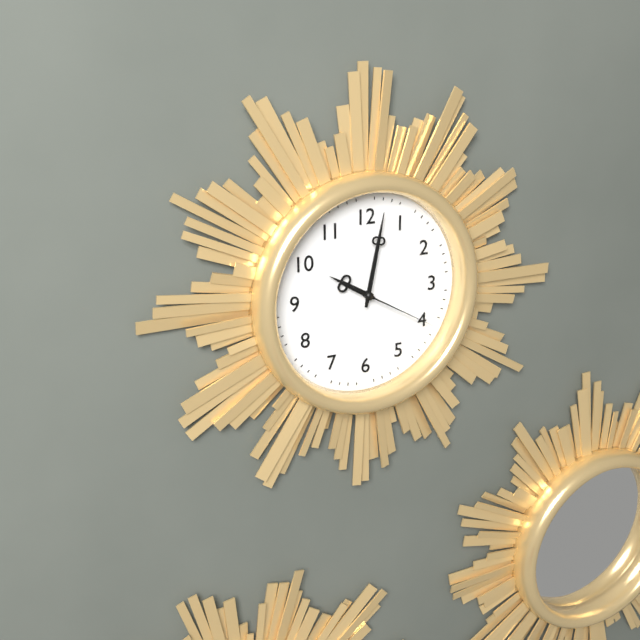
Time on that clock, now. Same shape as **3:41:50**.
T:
**10:02:20**
